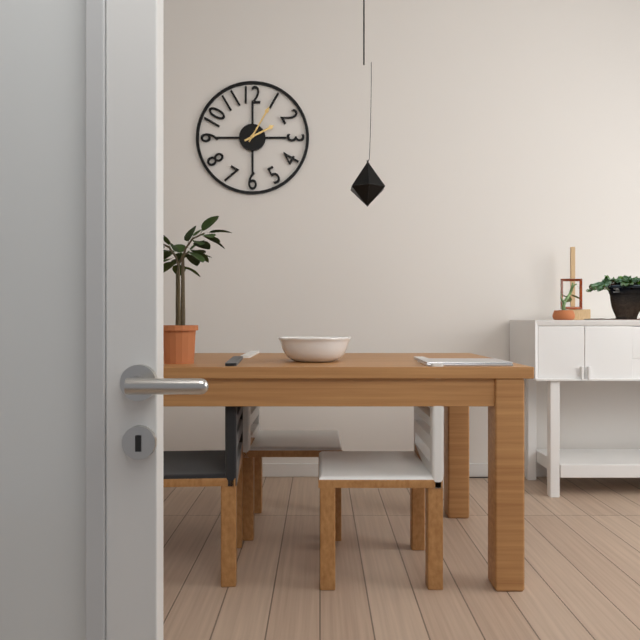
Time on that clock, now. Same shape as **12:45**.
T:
**2:05**
